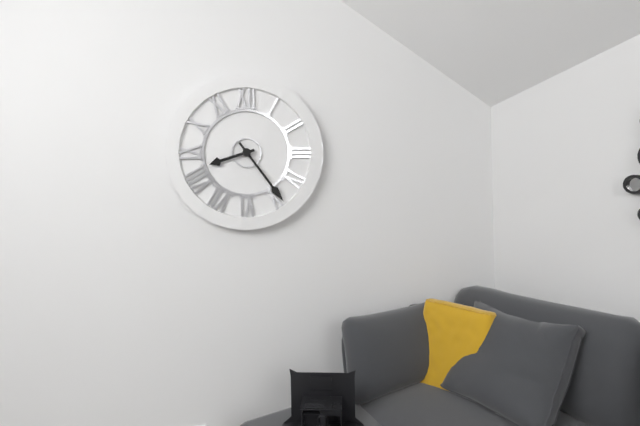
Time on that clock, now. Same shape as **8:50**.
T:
**8:24**
